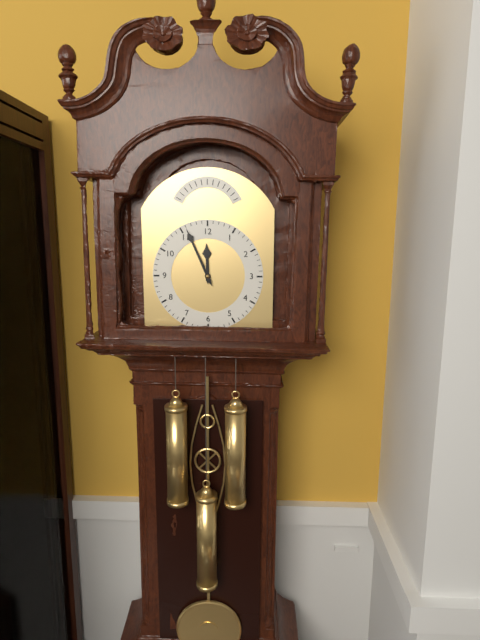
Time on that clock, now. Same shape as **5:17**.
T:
**11:56**
